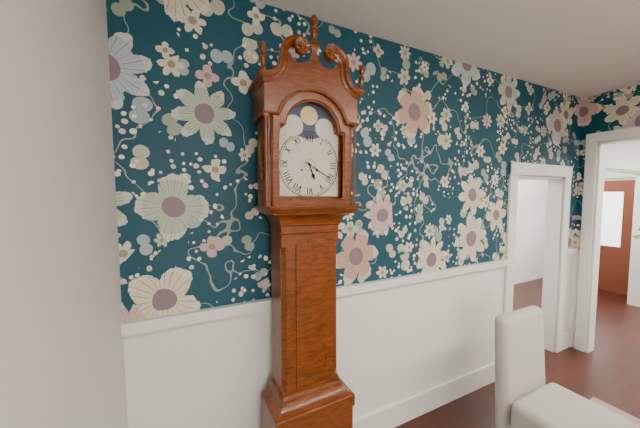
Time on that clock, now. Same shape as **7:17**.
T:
**5:20**
